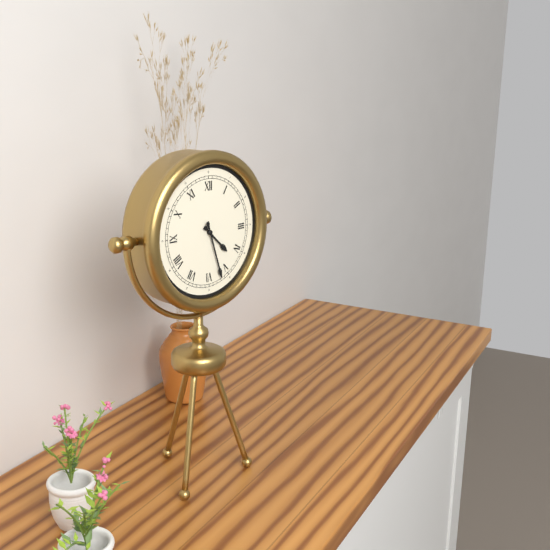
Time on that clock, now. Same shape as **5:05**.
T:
**4:27**
